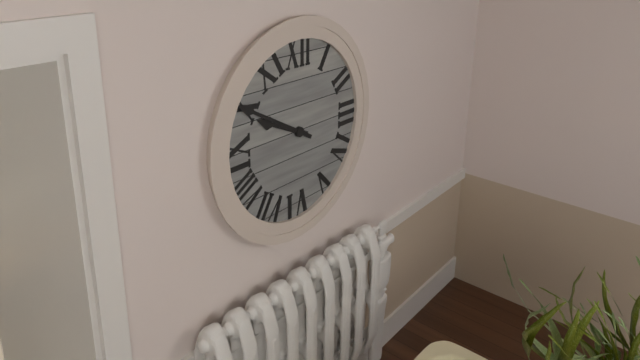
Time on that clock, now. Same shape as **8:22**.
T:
**9:50**
